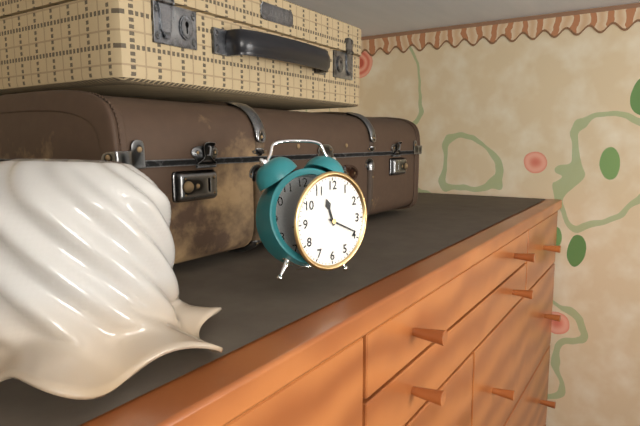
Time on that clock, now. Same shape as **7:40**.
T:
**11:19**
